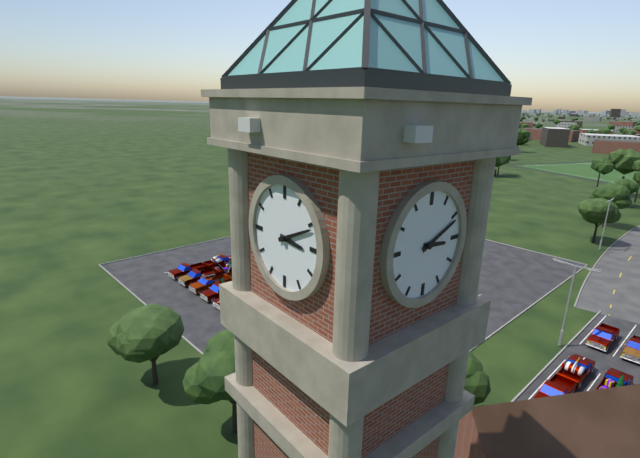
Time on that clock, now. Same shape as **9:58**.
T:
**3:11**
